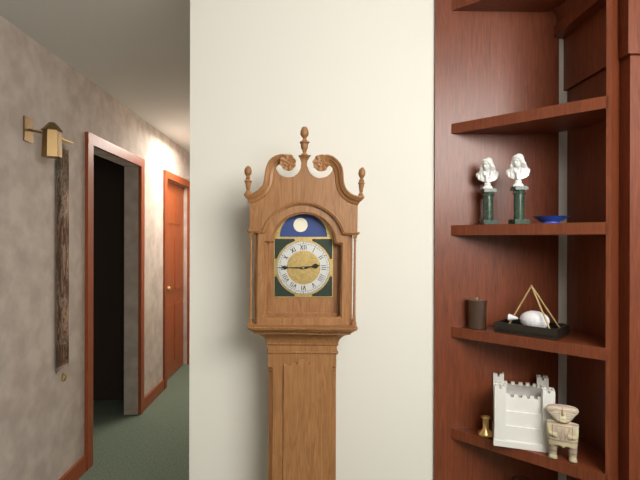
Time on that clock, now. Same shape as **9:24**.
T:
**2:45**
